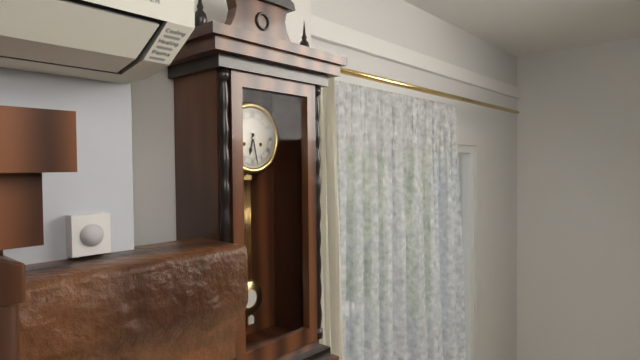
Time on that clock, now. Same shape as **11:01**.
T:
**6:28**
